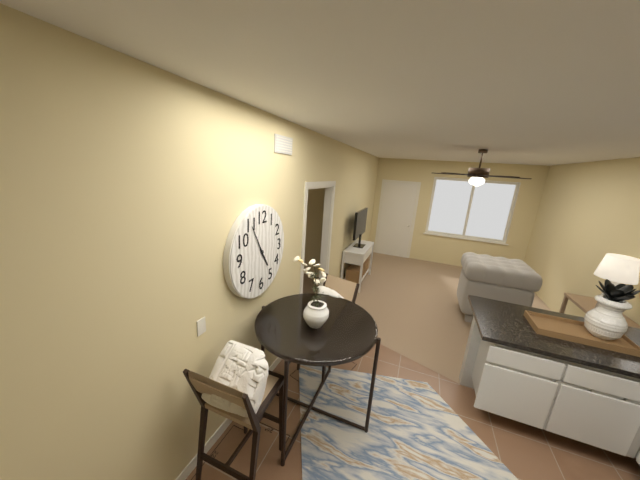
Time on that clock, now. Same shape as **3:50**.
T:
**4:55**
